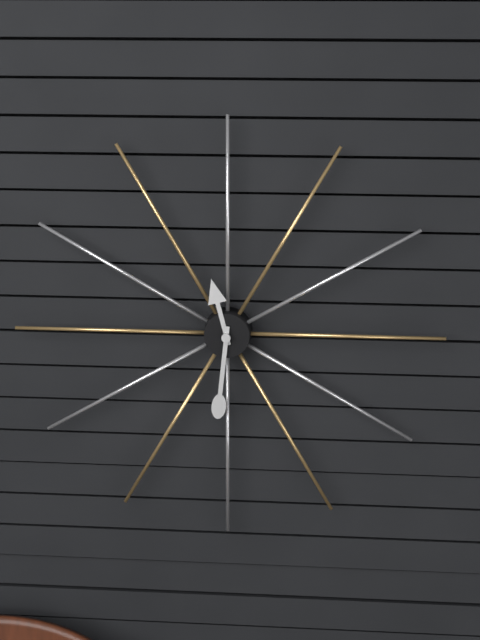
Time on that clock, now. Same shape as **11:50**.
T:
**11:31**
